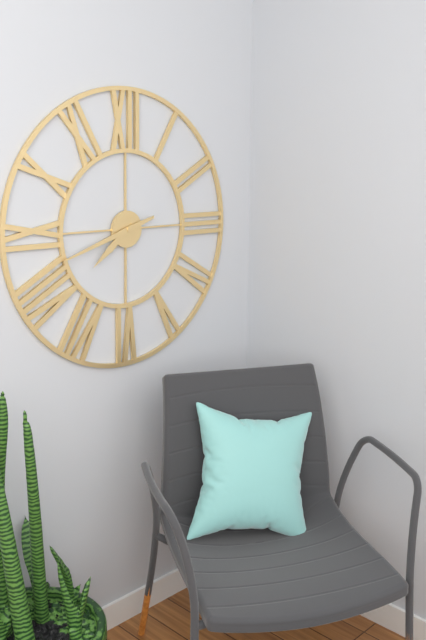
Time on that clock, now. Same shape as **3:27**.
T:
**7:42**
